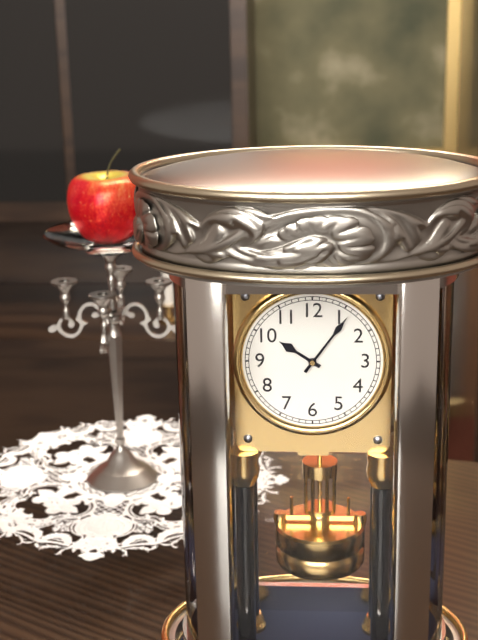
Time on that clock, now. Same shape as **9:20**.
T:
**10:06**
